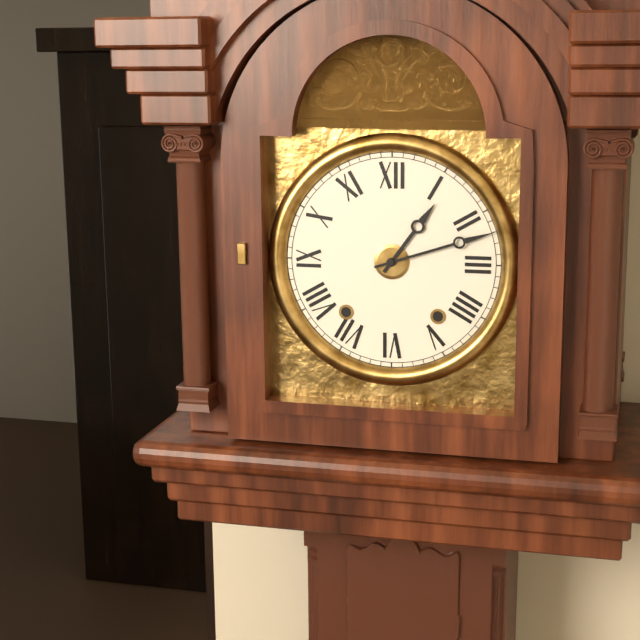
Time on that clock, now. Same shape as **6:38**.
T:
**1:12**
